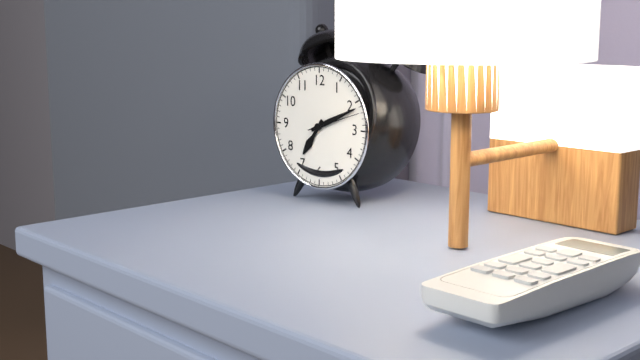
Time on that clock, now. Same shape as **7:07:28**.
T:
**7:11:12**
